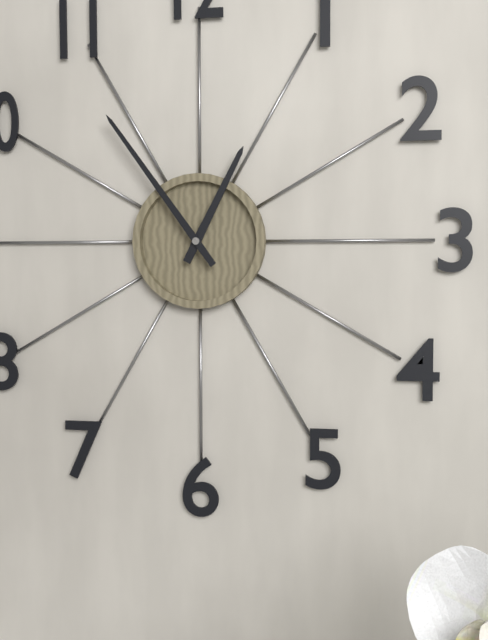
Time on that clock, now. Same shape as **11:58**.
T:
**12:54**
